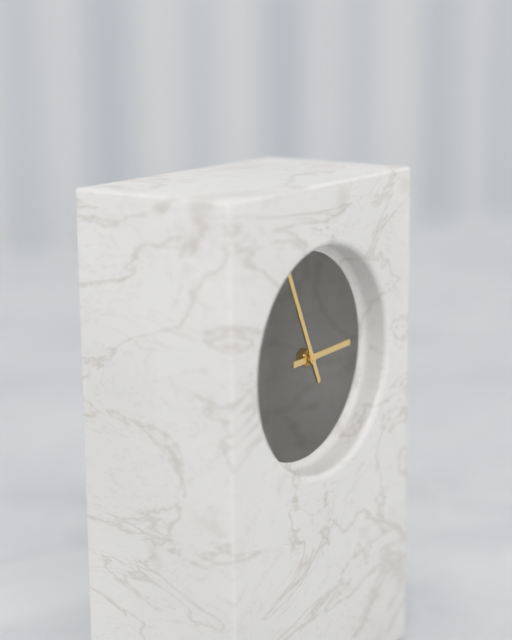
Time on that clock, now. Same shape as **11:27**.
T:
**2:56**
